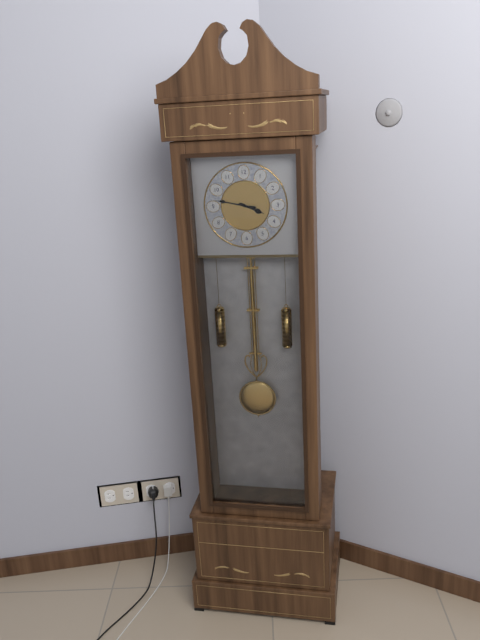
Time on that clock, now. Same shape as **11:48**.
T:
**3:47**
